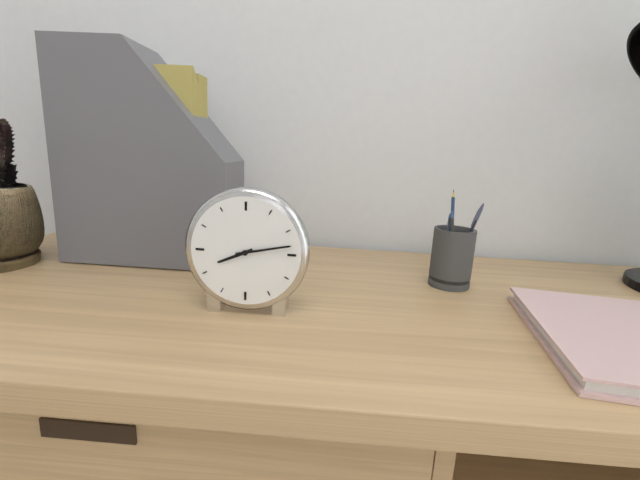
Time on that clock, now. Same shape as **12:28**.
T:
**8:13**
